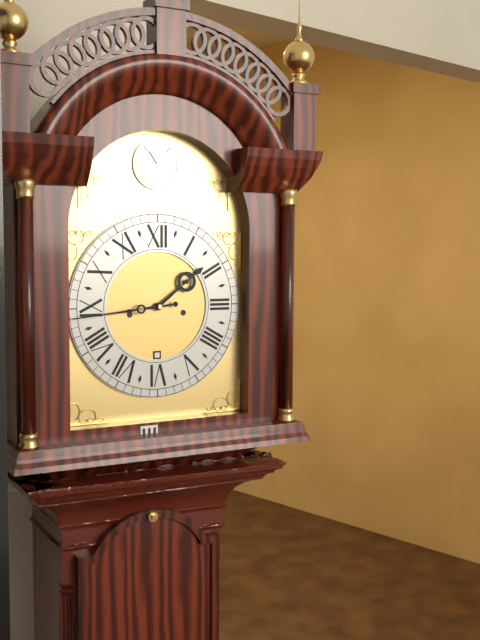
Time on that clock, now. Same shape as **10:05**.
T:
**1:44**
